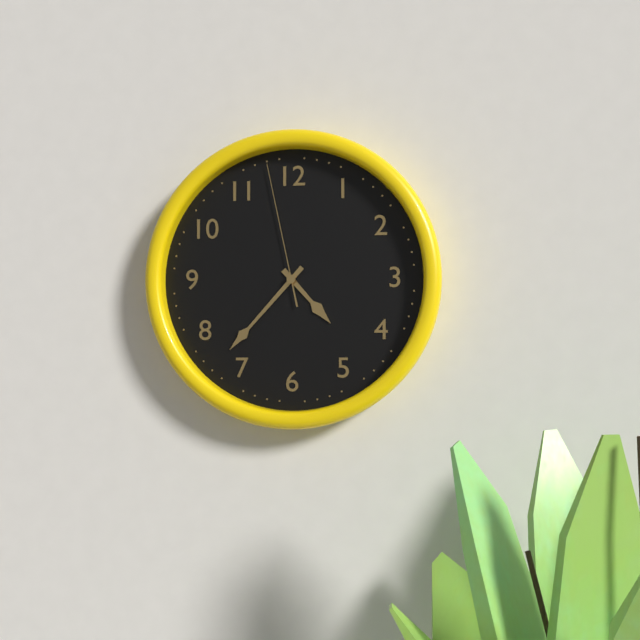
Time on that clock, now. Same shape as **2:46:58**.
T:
**4:37:58**
